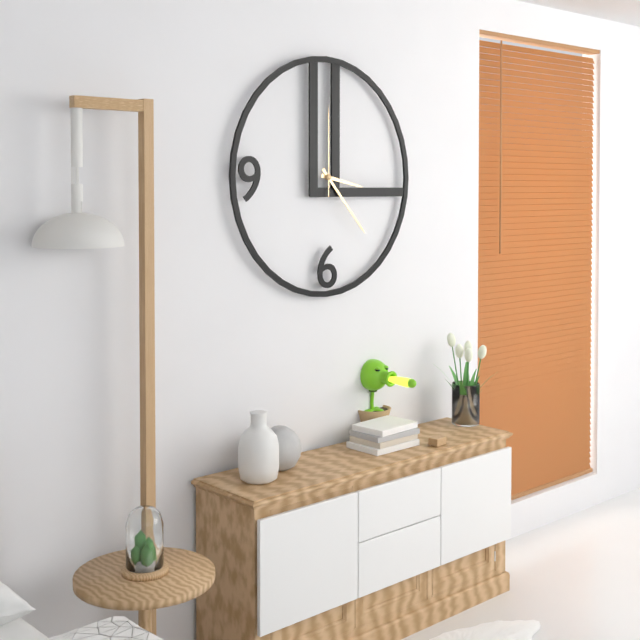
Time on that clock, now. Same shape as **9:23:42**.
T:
**3:23:00**
